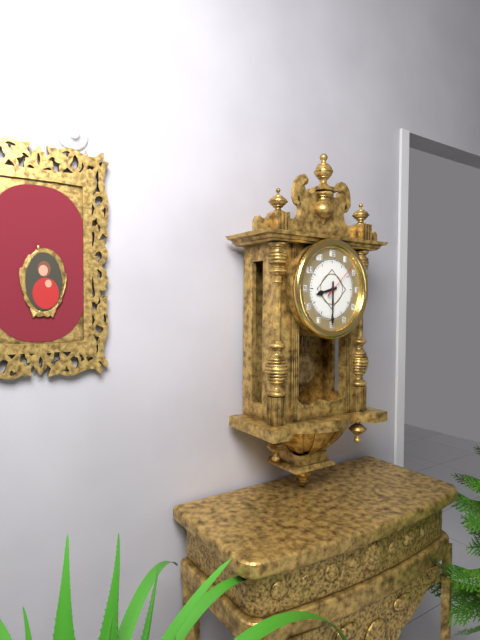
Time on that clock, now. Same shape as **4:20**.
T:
**8:30**
